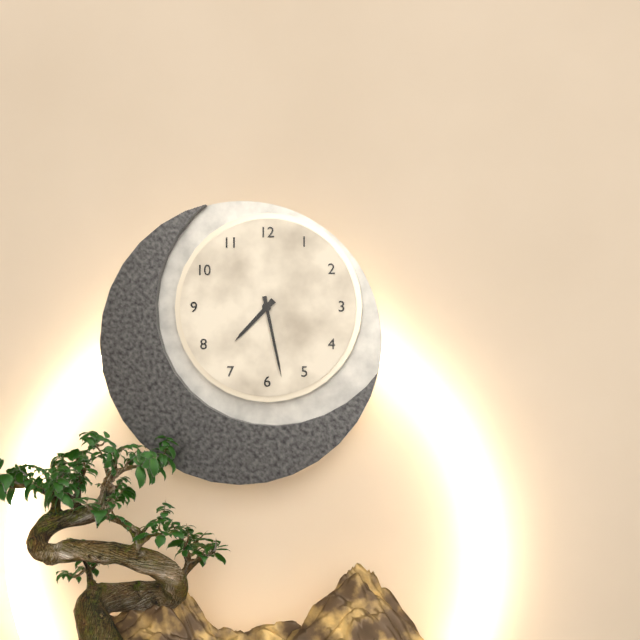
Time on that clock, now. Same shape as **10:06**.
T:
**7:28**
